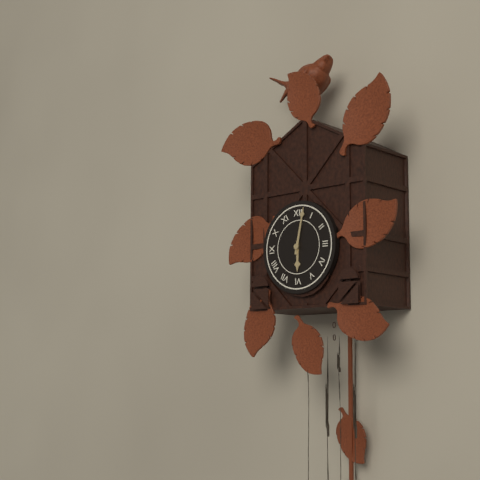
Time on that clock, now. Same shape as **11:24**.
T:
**6:02**
